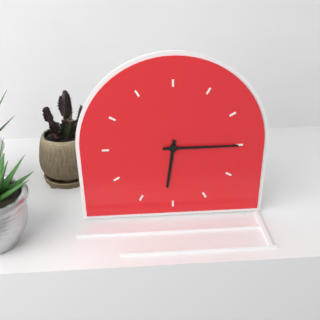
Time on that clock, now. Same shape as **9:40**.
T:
**6:15**
